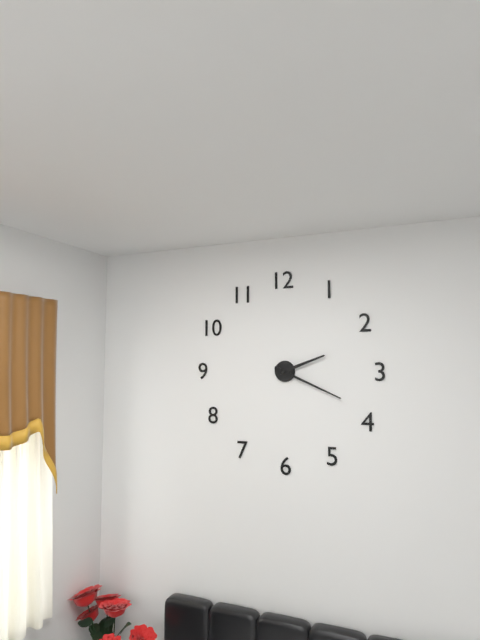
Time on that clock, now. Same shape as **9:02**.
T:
**2:19**
